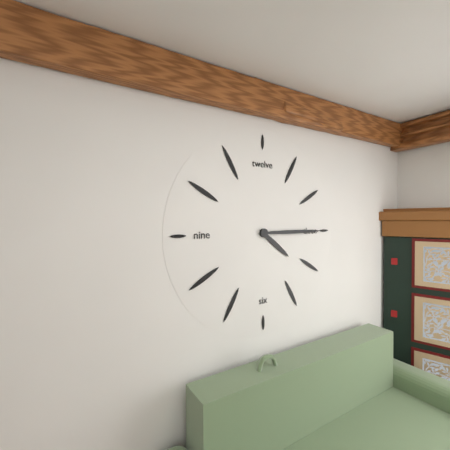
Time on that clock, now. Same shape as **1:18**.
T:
**4:15**
